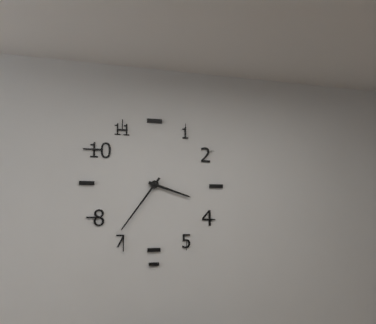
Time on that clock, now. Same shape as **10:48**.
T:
**3:36**
